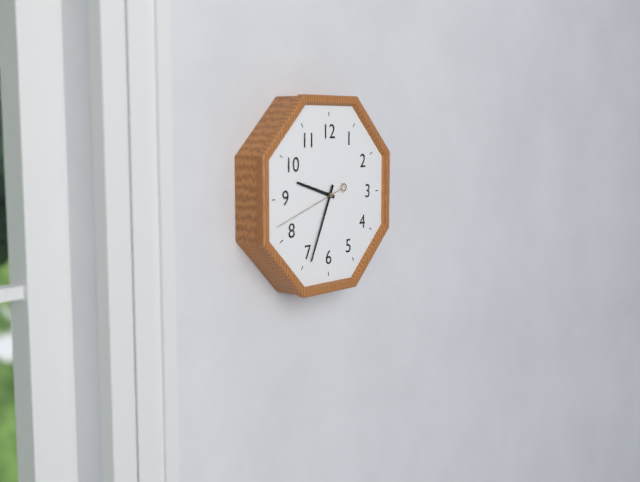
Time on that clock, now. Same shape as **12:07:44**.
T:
**9:34:42**
